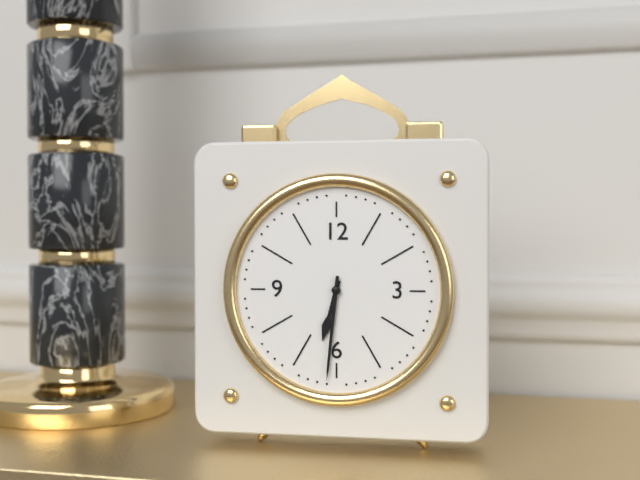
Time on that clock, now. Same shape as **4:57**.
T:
**6:31**
